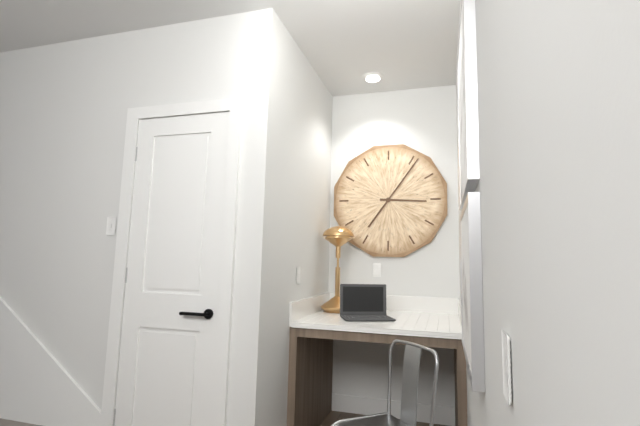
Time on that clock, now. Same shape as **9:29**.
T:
**3:06**
